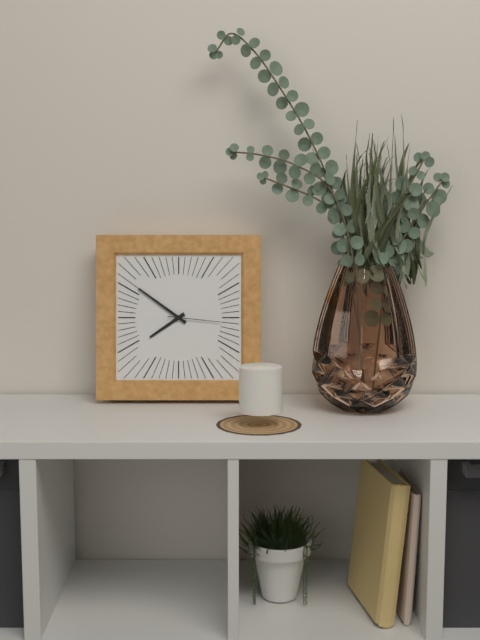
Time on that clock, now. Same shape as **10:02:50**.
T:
**7:51:16**
